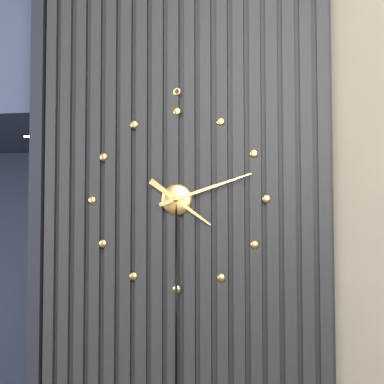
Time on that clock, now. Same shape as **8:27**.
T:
**4:12**
